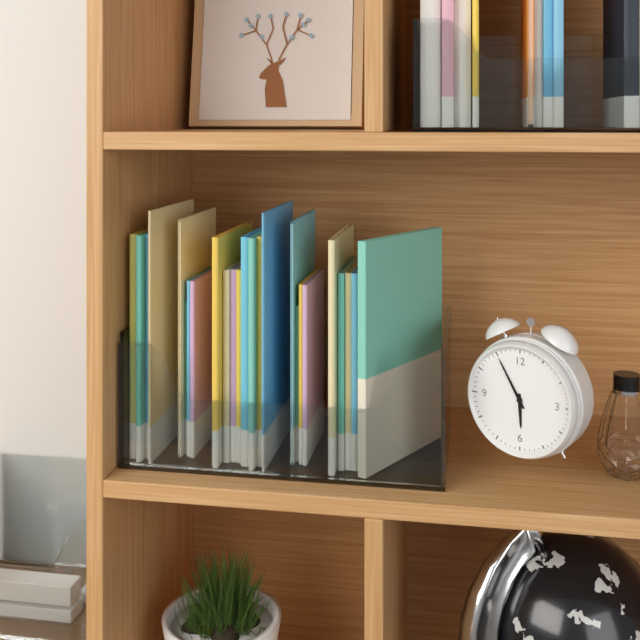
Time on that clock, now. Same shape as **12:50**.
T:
**5:55**
